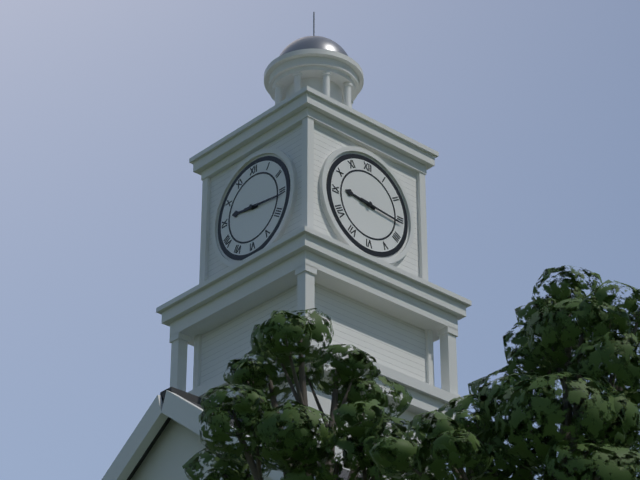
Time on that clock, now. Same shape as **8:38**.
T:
**9:16**
